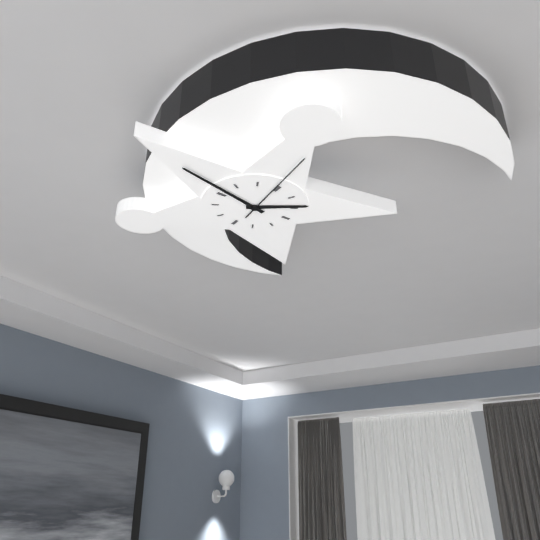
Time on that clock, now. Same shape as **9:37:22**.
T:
**1:47:59**
